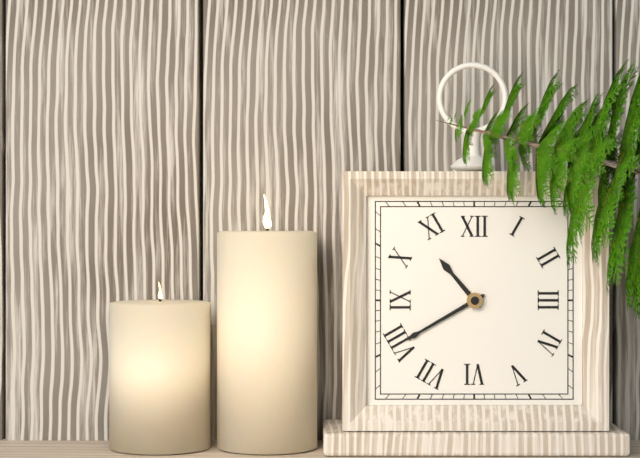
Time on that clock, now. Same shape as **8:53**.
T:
**10:40**
